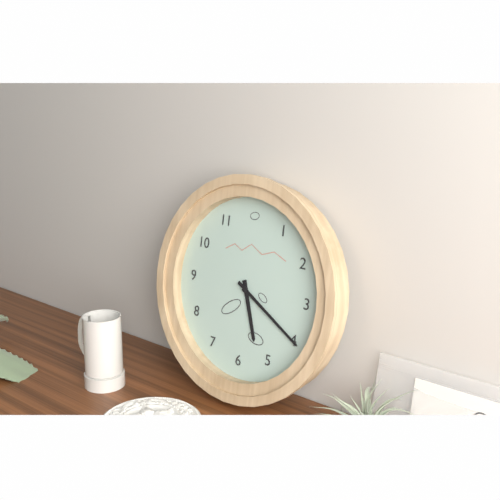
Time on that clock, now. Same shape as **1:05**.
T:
**5:20**
